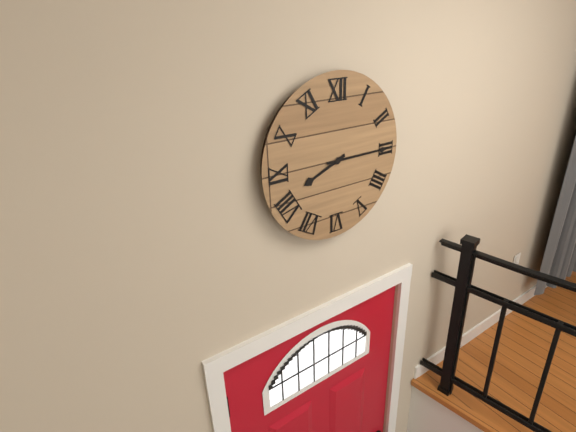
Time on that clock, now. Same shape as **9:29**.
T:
**8:15**
